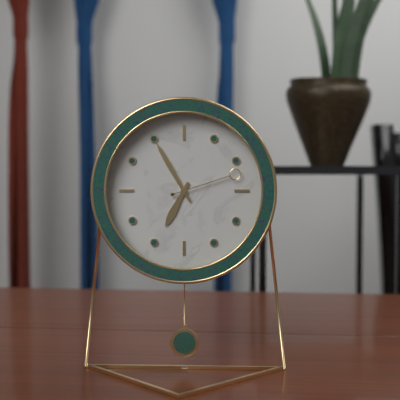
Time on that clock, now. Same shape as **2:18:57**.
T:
**6:55:12**
